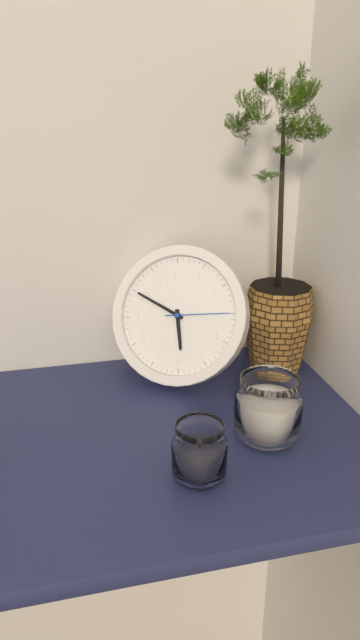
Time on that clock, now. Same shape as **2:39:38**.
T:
**5:50:15**
